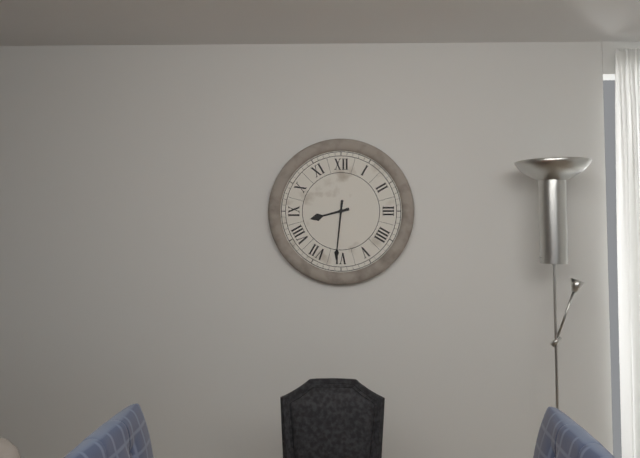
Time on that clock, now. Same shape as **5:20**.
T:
**8:31**
